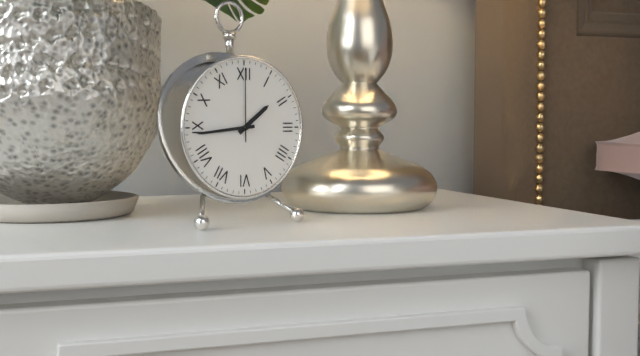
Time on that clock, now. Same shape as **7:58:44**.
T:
**1:44:00**
